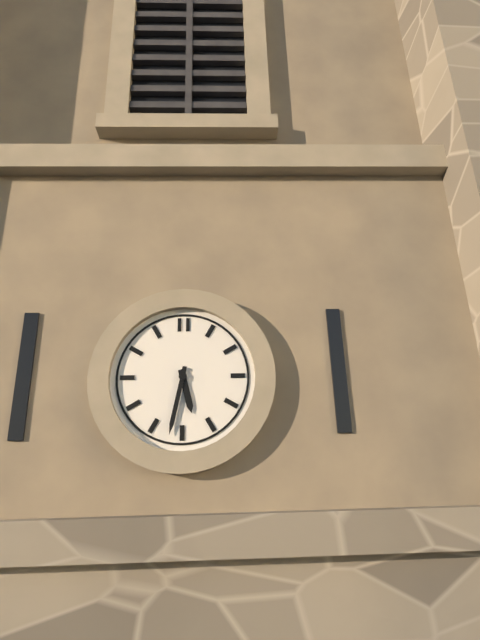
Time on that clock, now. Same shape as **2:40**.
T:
**5:32**
